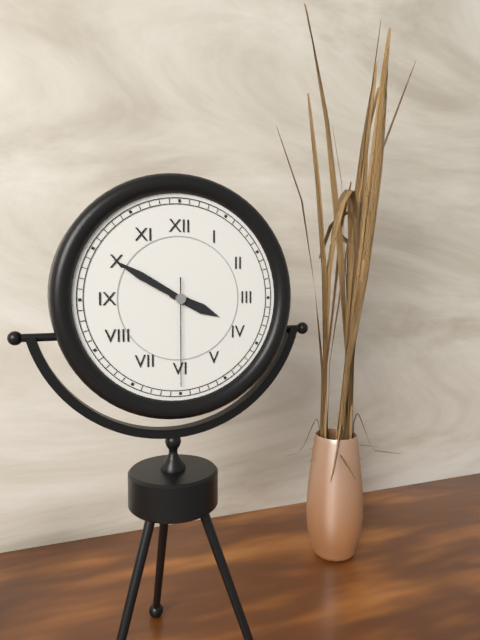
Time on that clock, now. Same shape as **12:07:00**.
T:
**3:50:30**
